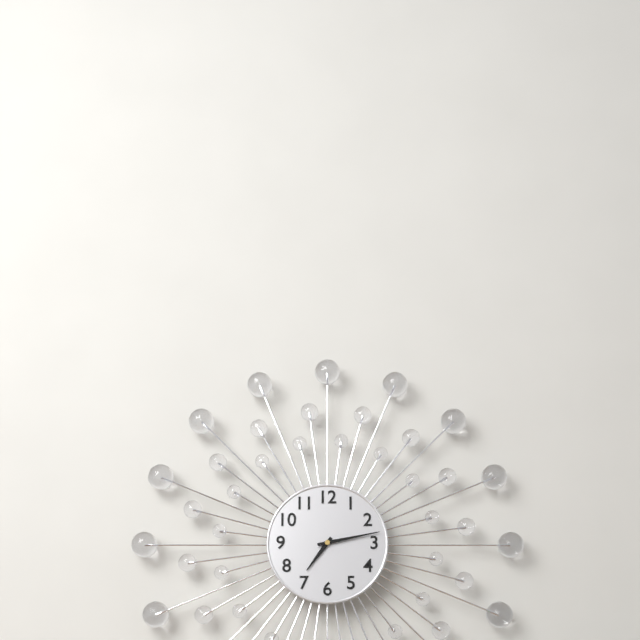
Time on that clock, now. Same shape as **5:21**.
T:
**7:13**
